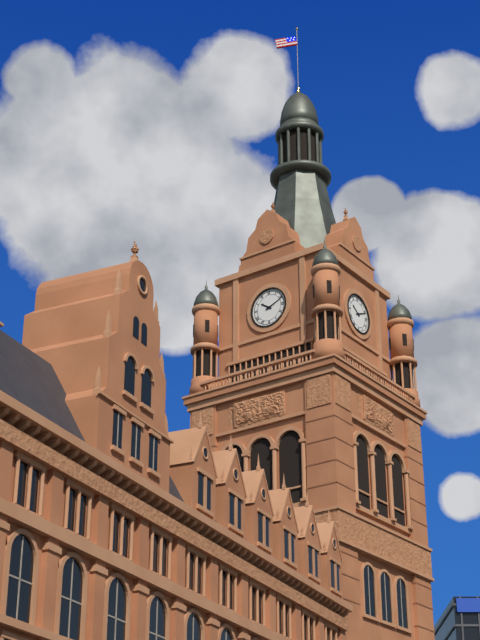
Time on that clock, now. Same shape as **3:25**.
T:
**10:11**
